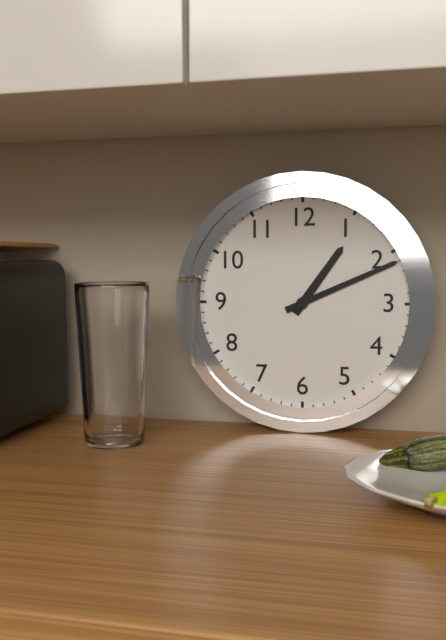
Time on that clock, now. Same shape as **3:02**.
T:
**1:11**
